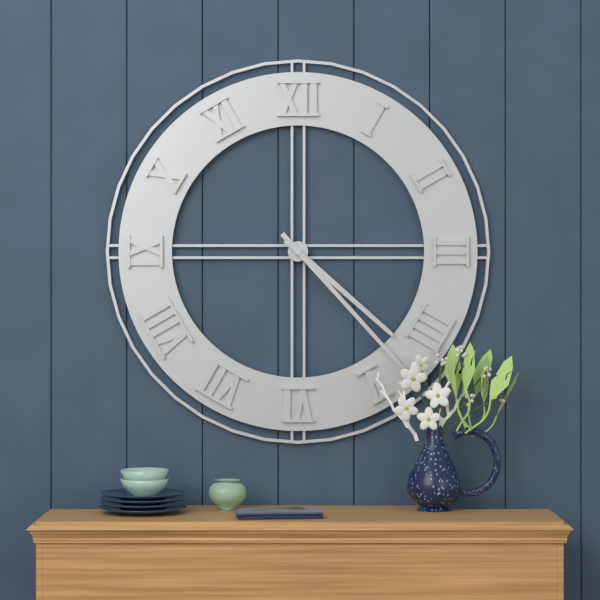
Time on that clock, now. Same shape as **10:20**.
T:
**4:23**
